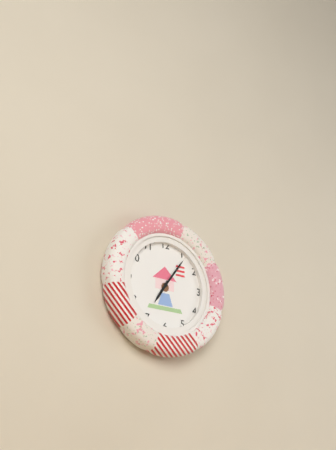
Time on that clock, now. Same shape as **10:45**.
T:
**7:06**
